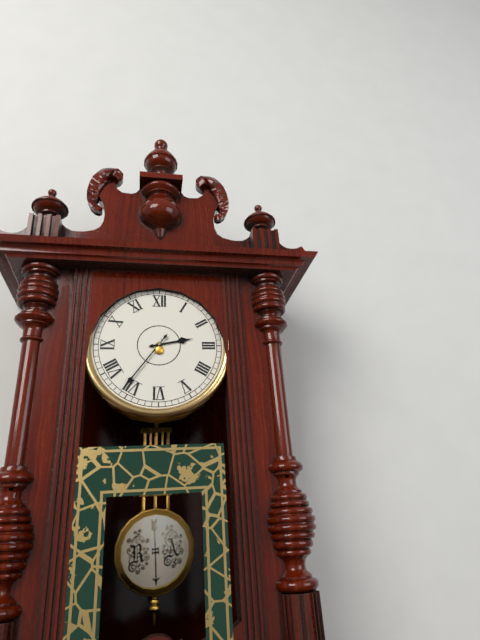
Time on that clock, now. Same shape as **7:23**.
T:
**2:36**
